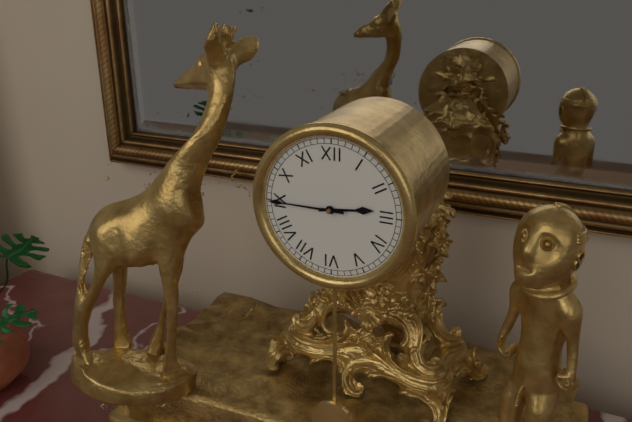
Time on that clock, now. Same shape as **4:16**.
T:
**2:45**
